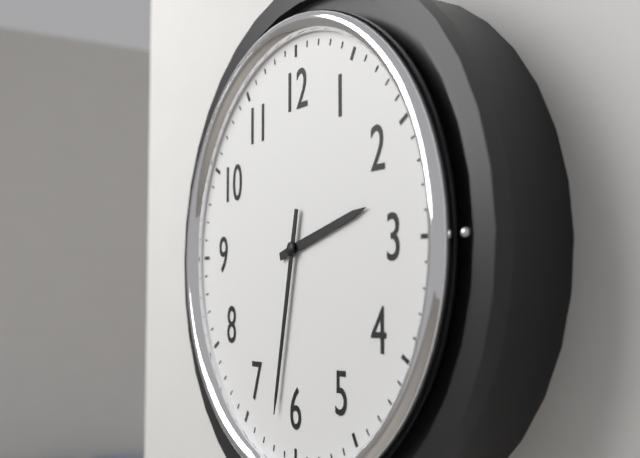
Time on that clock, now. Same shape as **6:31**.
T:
**2:32**
